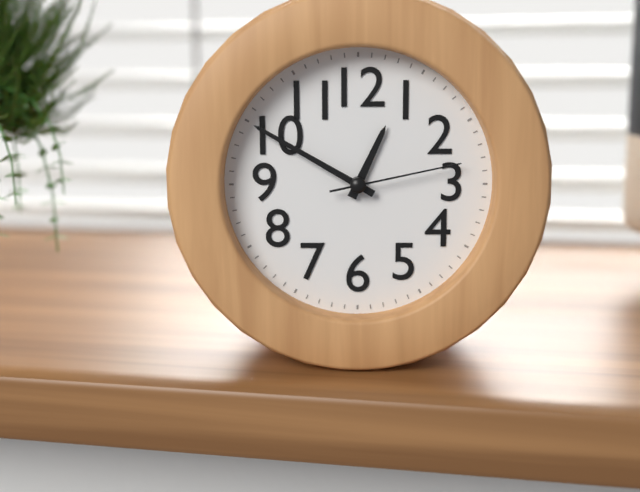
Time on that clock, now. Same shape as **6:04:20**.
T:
**12:50:13**
